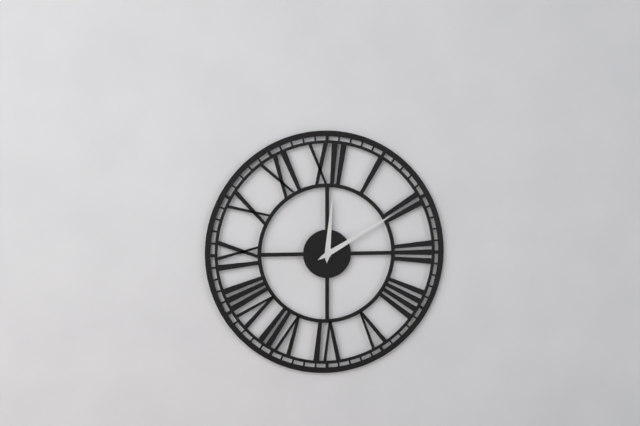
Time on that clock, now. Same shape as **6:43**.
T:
**12:10**
